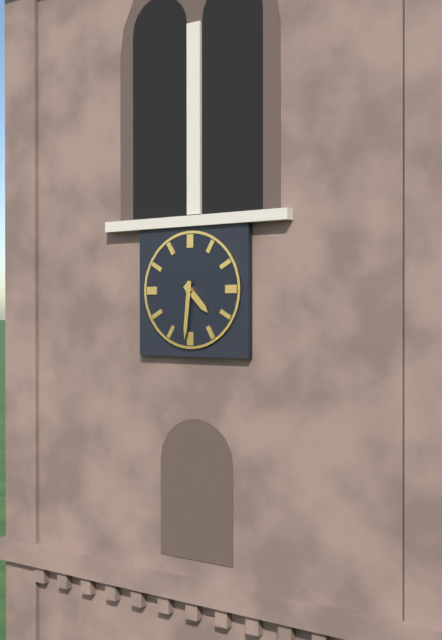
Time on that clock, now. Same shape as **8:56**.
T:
**4:31**
